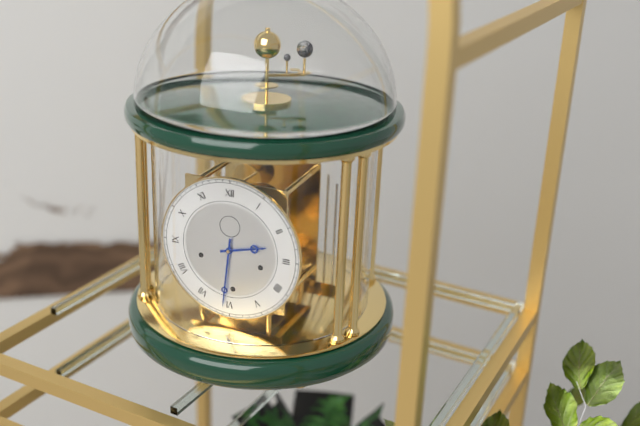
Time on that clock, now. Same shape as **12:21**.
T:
**2:31**
